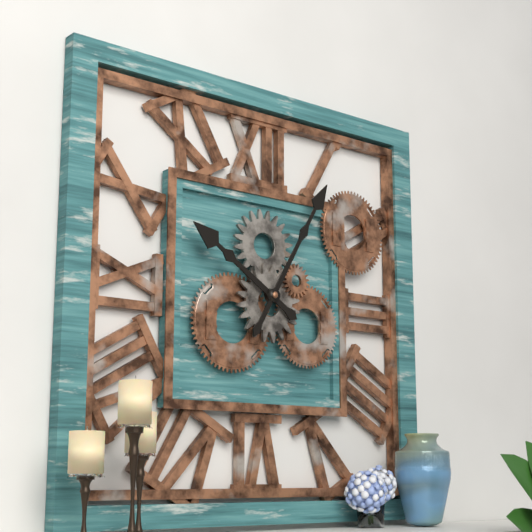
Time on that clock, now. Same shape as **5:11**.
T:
**10:05**
